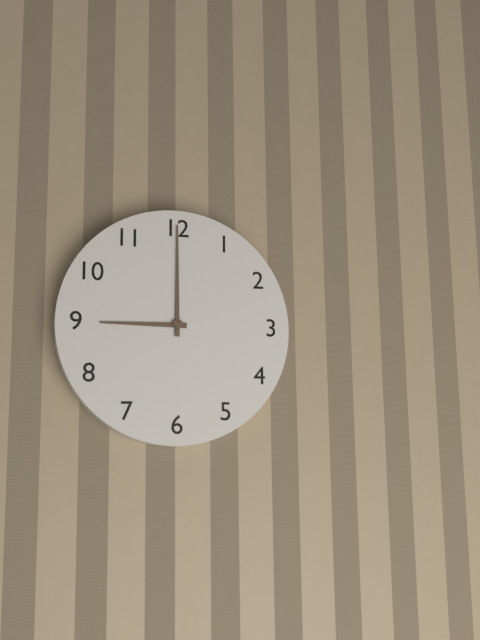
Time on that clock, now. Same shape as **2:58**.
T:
**9:00**
